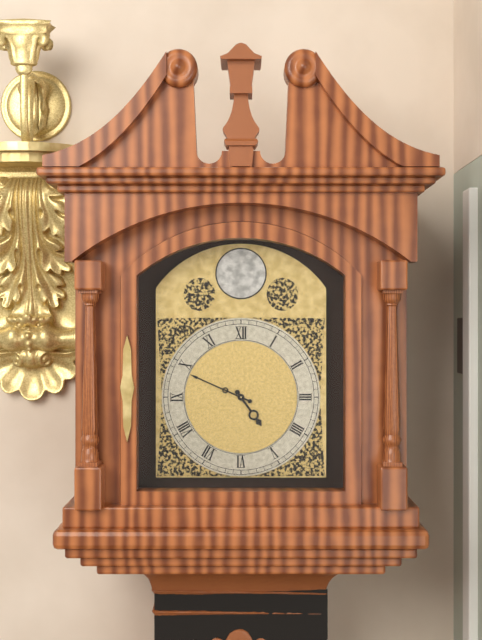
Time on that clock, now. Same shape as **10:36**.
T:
**4:49**
